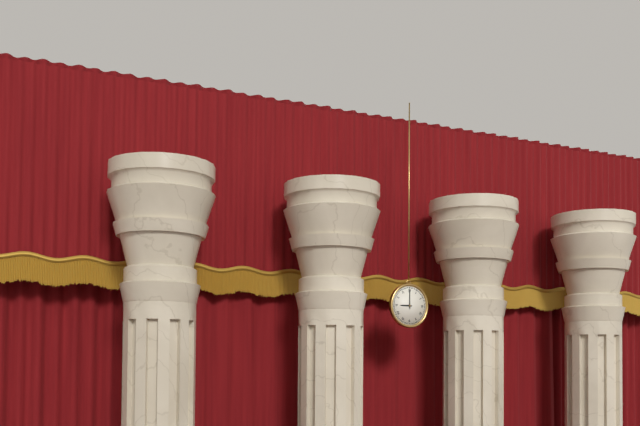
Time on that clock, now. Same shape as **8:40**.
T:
**9:00**
